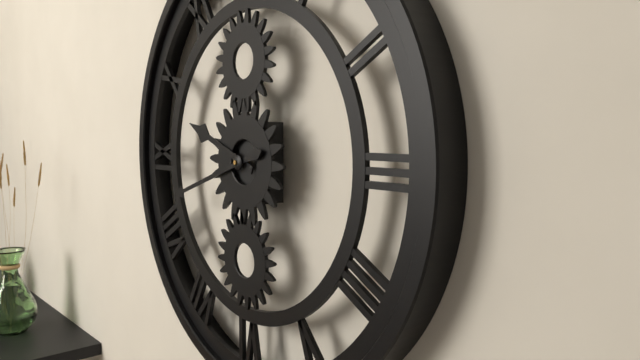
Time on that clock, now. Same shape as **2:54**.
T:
**9:42**
